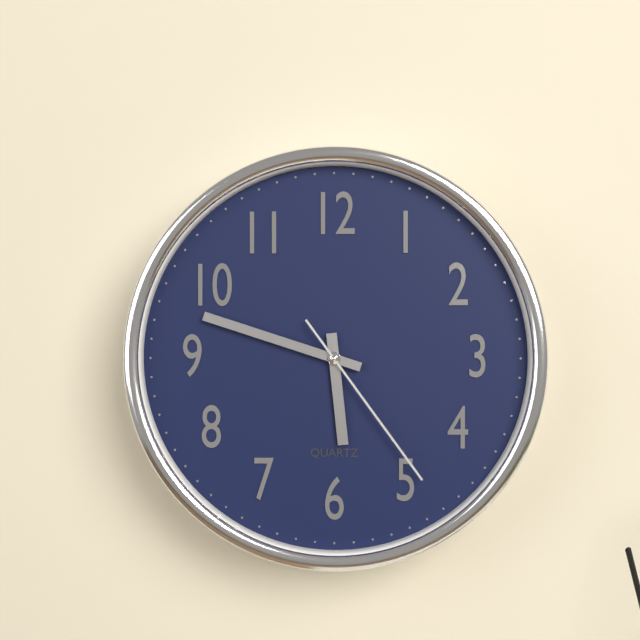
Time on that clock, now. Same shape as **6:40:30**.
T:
**5:48:24**
